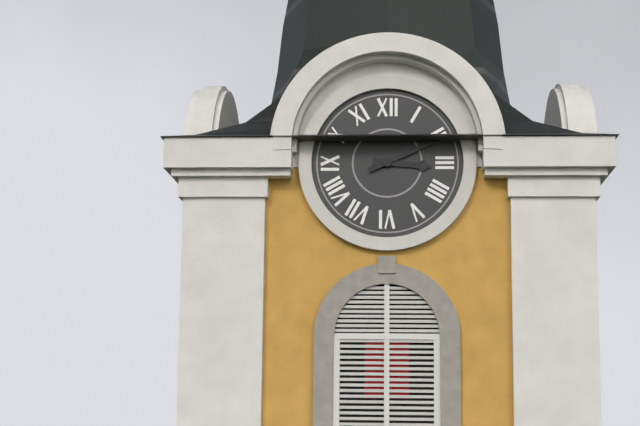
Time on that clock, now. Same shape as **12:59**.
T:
**3:11**
